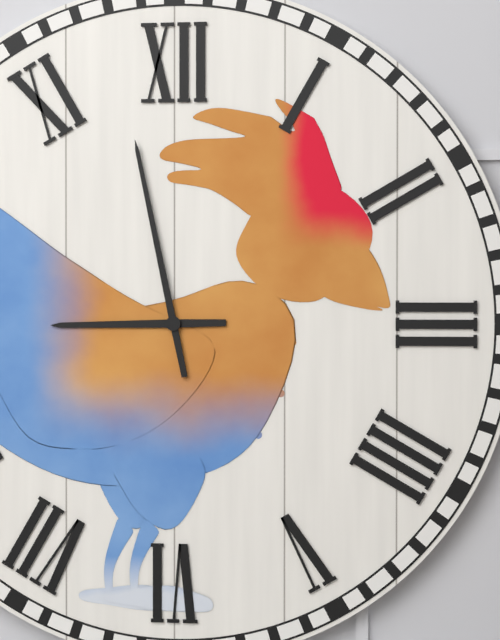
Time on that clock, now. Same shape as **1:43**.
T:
**8:58**
